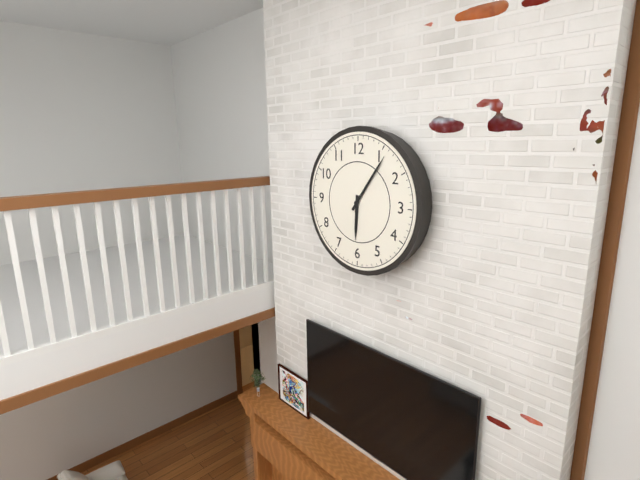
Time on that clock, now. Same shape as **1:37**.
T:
**6:06**
